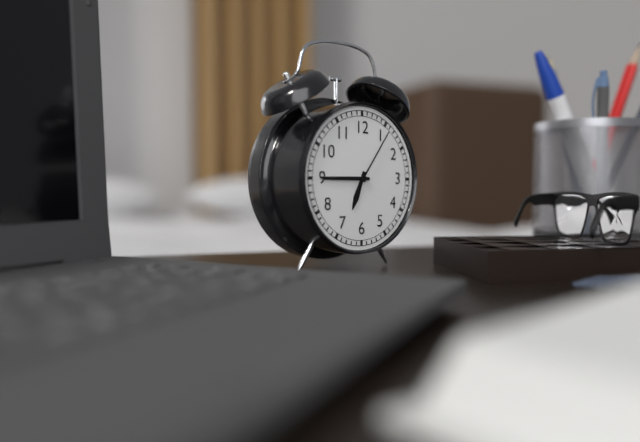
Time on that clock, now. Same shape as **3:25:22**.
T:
**6:45:06**
